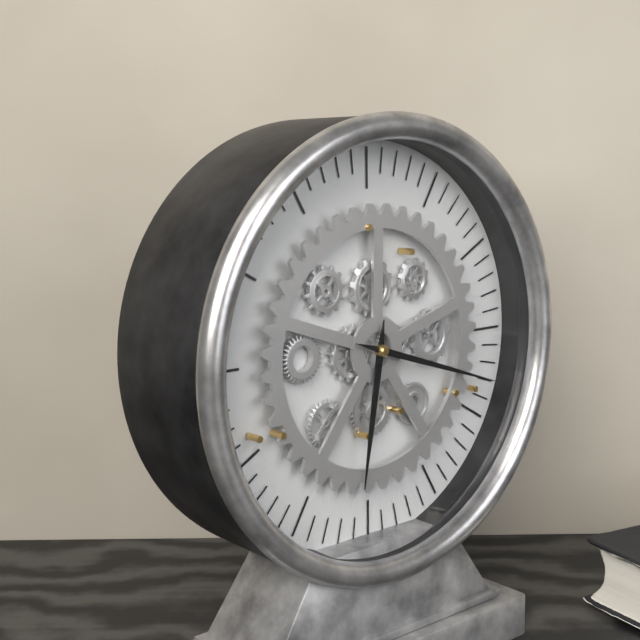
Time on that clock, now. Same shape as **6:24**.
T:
**6:18**
